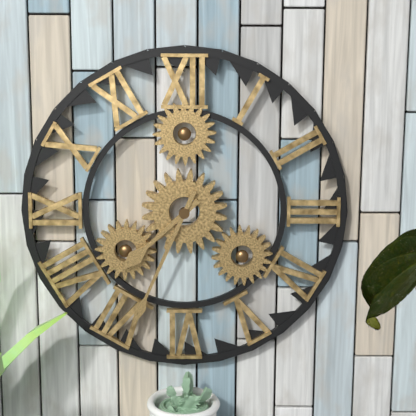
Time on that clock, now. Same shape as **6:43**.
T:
**7:34**
